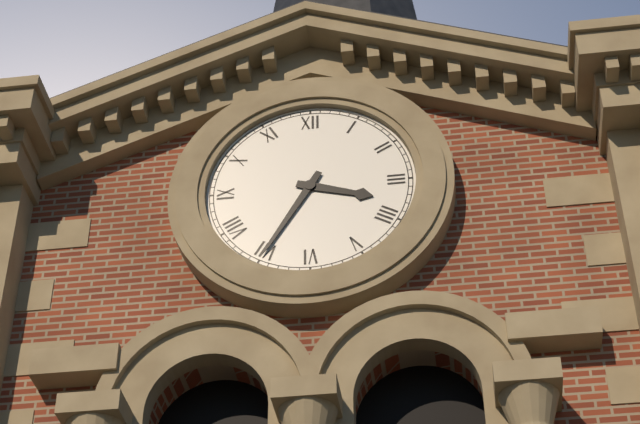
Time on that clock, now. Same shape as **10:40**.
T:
**3:35**
